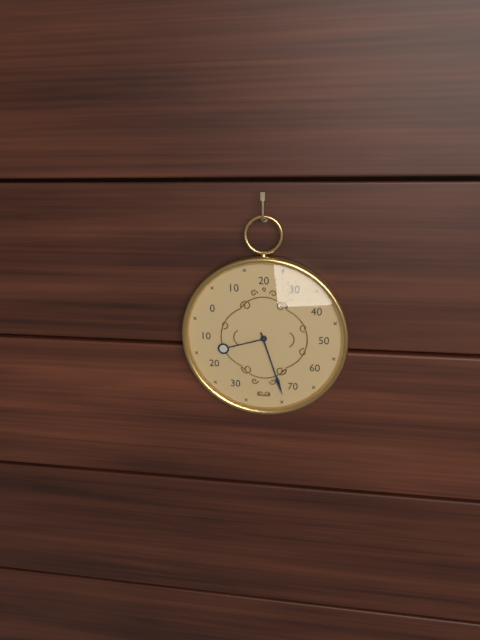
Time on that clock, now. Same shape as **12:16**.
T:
**8:27**
